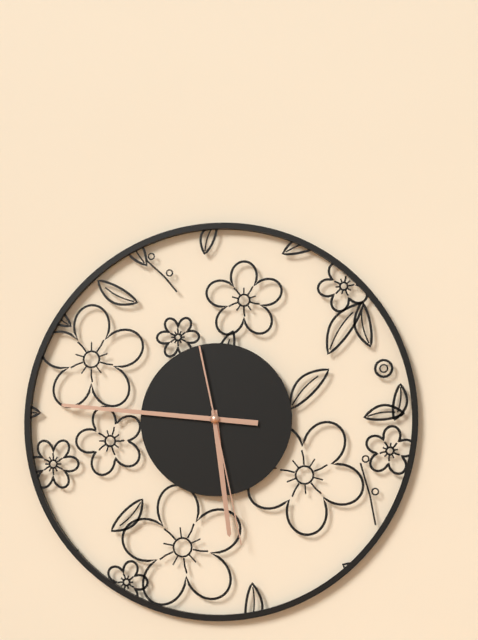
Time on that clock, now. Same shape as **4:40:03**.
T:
**5:46:28**
